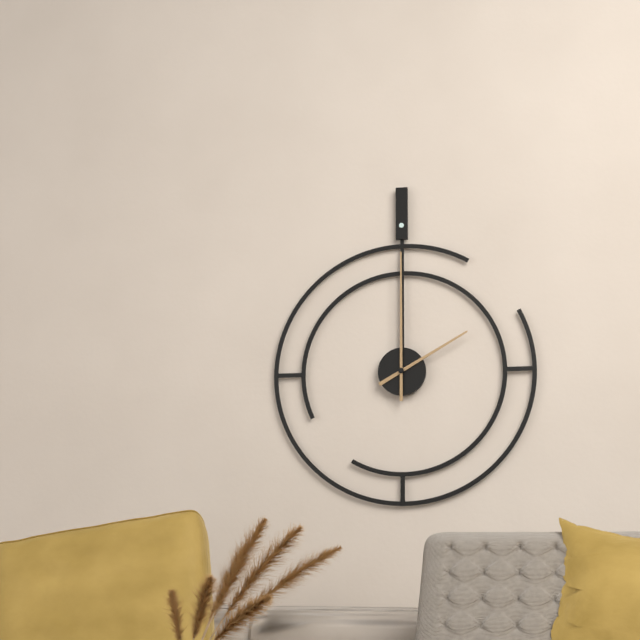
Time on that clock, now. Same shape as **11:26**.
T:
**2:00**
